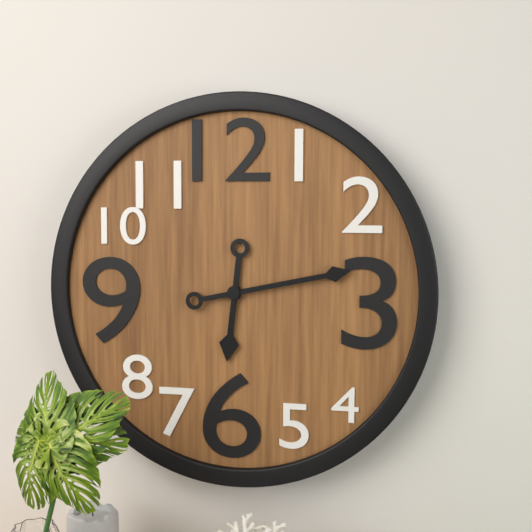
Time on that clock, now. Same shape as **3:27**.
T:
**6:13**
